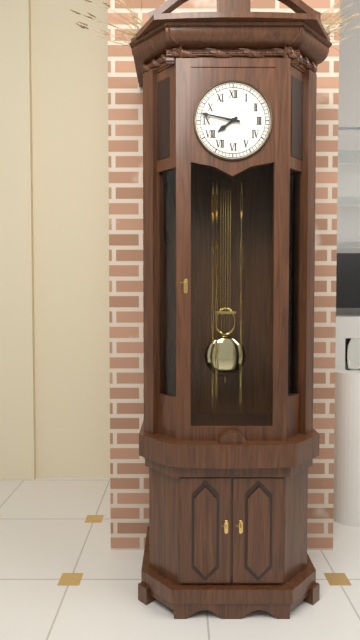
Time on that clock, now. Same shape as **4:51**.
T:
**7:47**
